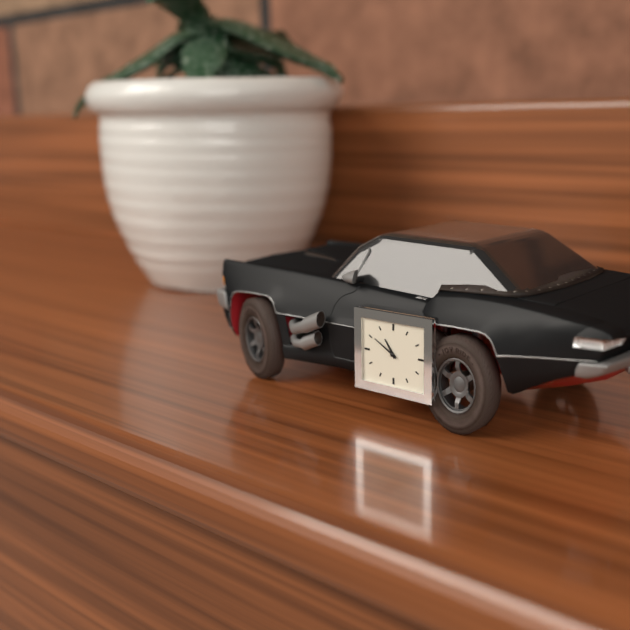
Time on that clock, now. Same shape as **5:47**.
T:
**10:50**
